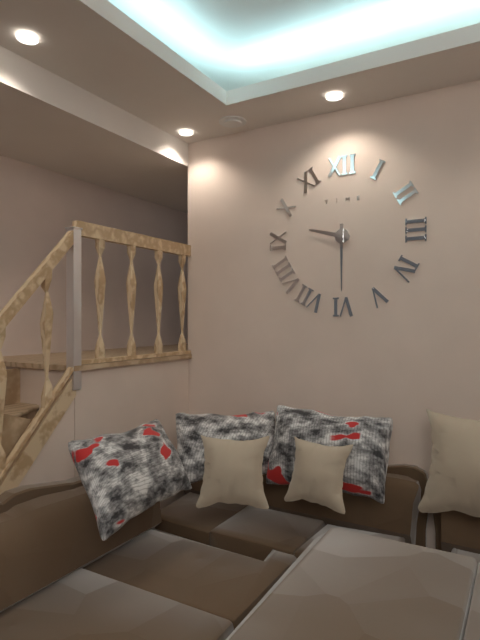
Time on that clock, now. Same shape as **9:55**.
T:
**9:30**
